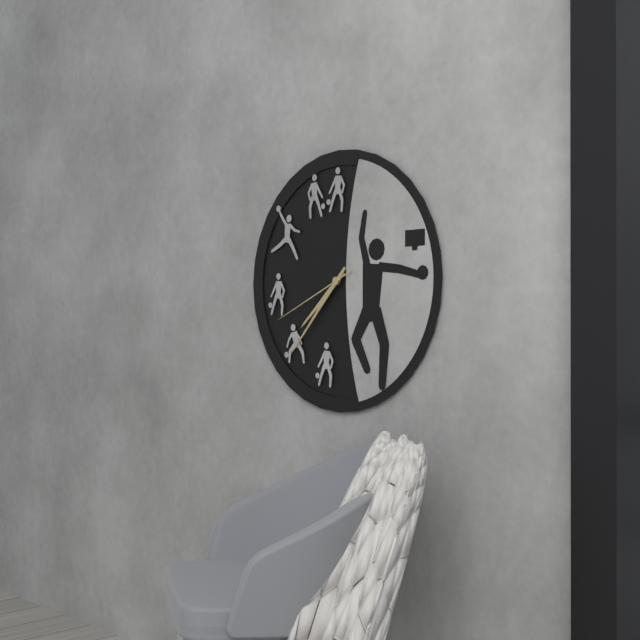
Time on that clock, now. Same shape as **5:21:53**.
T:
**7:37:41**
